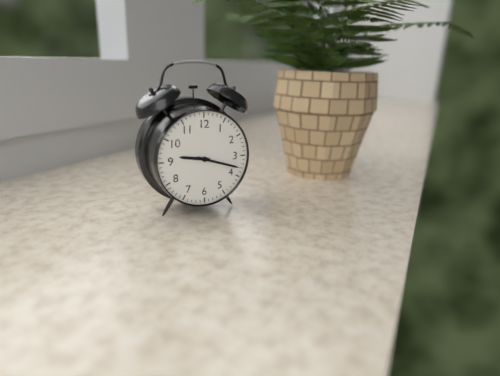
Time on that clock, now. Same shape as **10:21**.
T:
**9:18**
